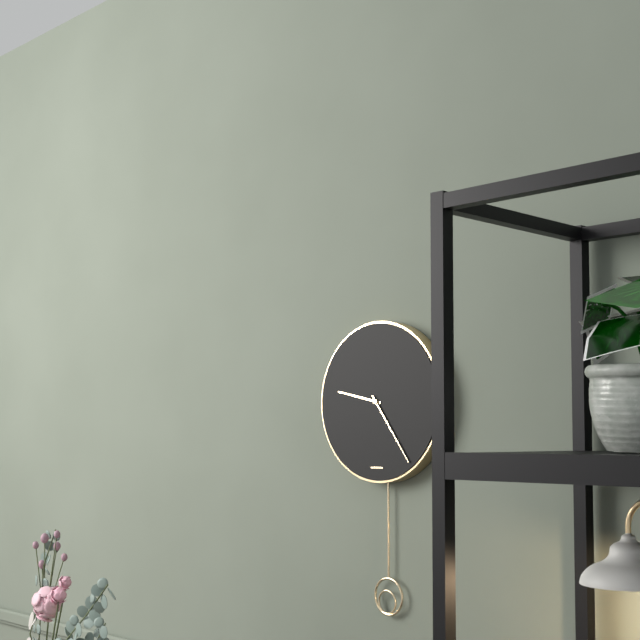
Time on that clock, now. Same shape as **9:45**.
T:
**9:24**
